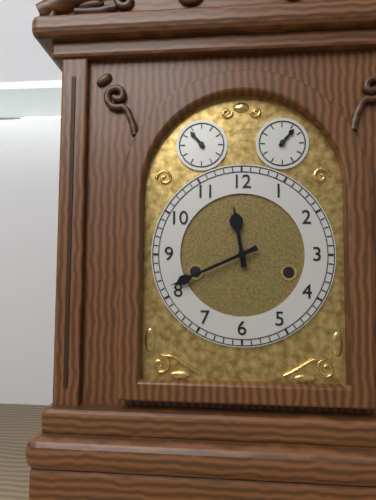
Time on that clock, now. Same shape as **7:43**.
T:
**11:41**
